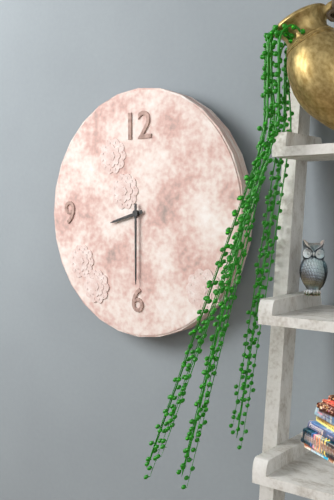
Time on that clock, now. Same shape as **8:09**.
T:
**8:30**
